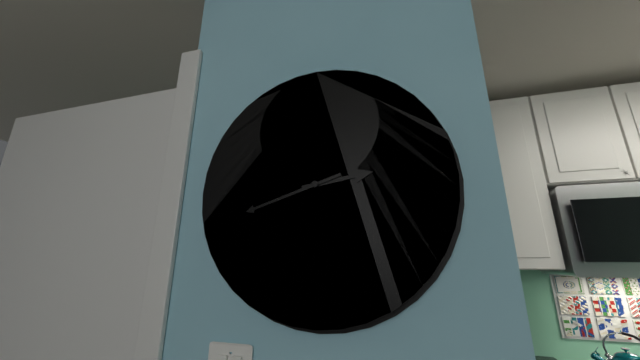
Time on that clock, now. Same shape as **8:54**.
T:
**2:42**
